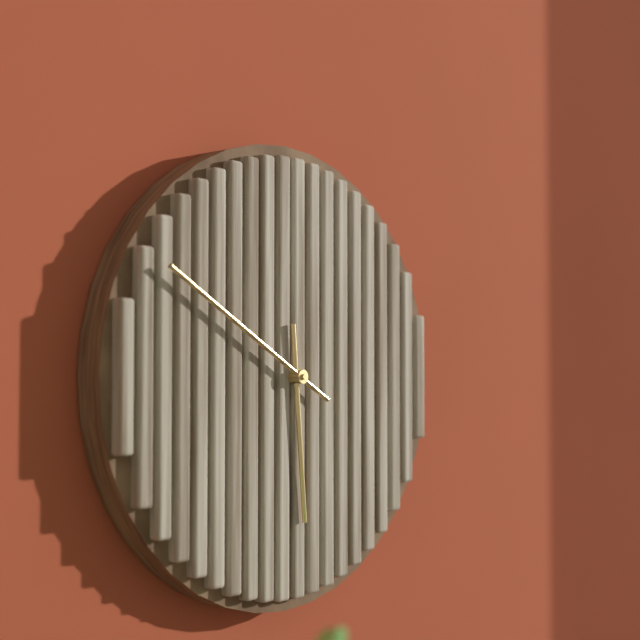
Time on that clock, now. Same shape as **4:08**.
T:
**5:50**
